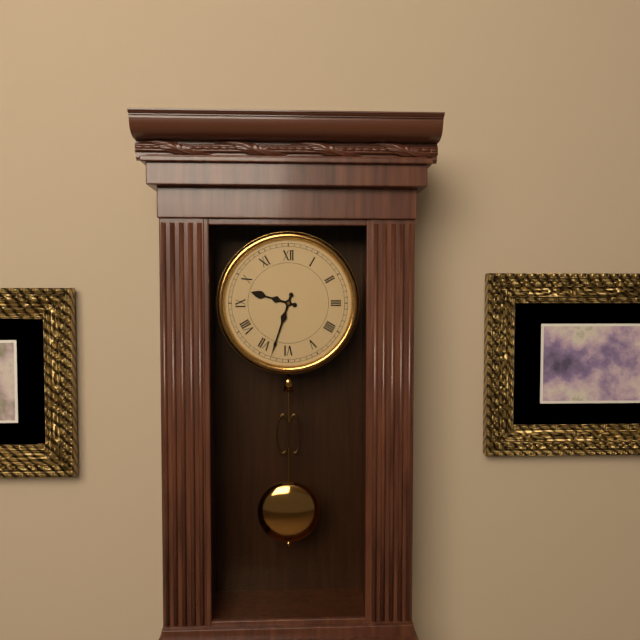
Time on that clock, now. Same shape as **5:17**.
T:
**9:33**
